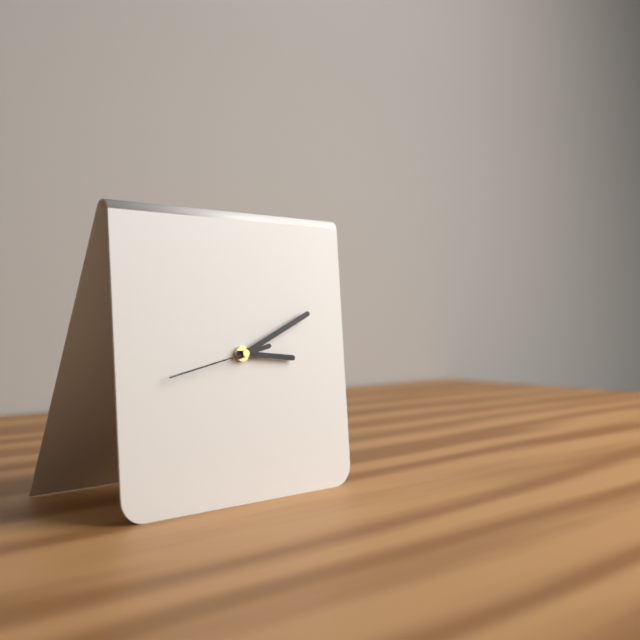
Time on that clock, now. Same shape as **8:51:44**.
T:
**3:11:43**
